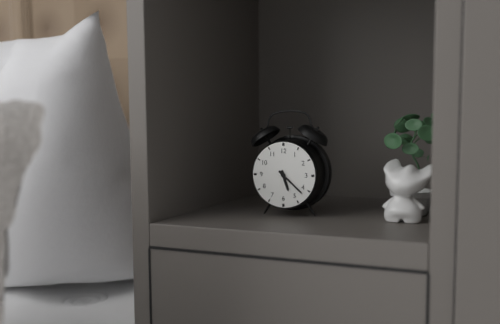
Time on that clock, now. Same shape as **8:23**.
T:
**5:22**
